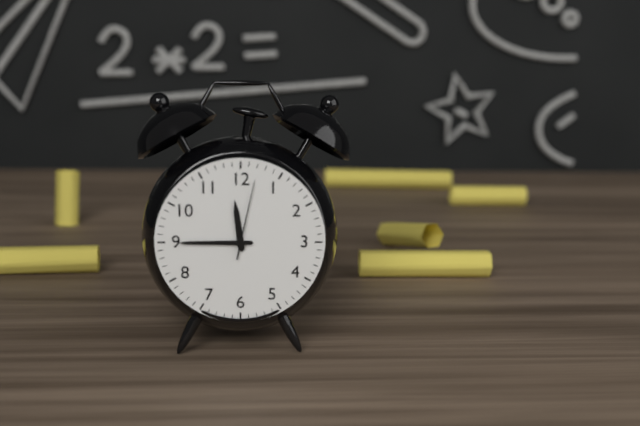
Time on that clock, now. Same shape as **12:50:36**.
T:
**11:45:02**
